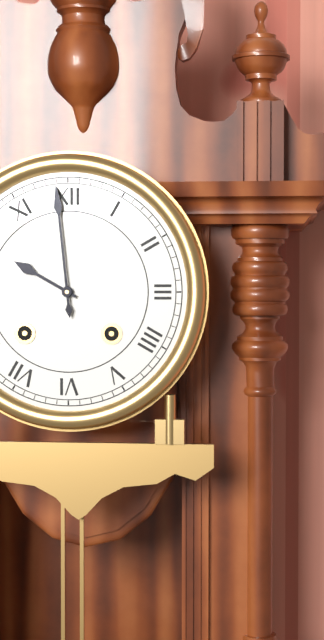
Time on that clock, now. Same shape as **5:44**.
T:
**9:59**
